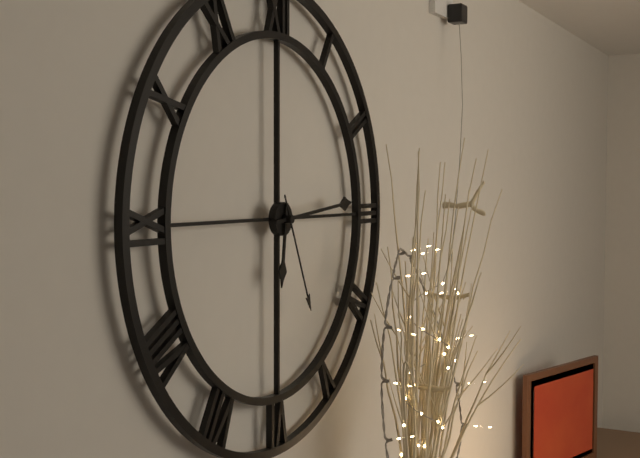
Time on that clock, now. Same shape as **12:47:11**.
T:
**6:14:26**
